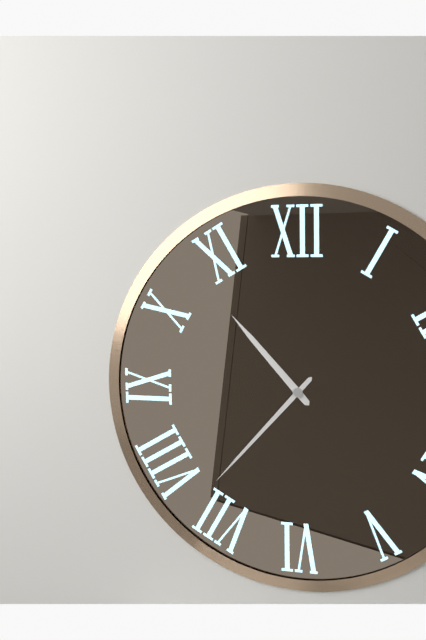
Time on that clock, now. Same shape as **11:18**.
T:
**10:37**
